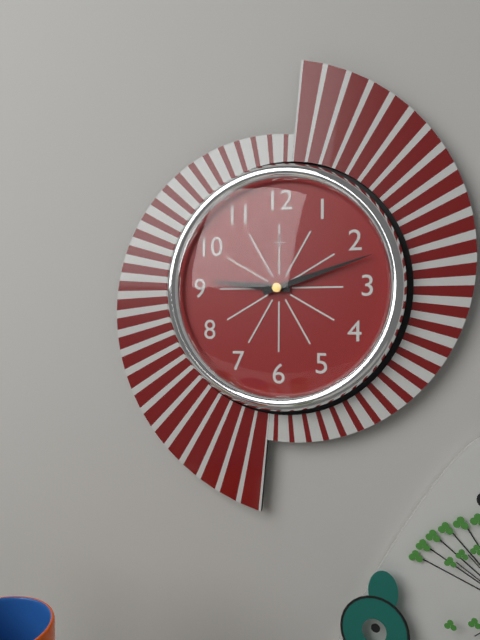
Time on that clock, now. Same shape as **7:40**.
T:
**9:12**
